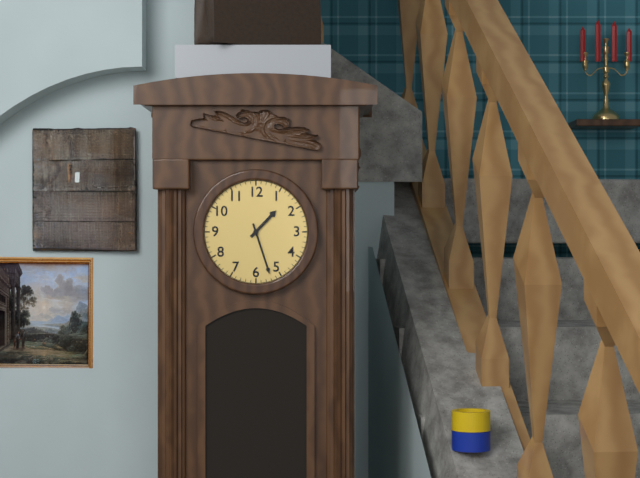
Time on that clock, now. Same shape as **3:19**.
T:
**1:27**
